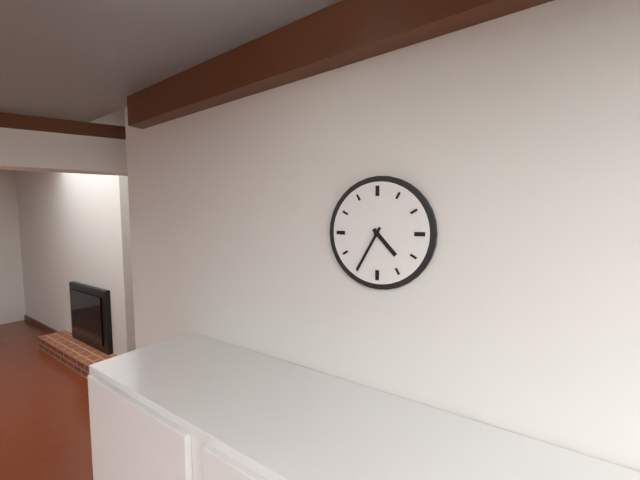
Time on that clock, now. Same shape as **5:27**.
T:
**4:35**
